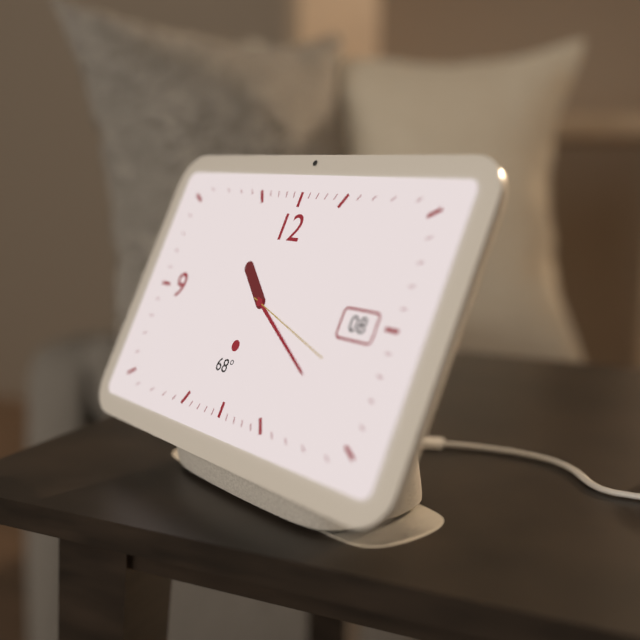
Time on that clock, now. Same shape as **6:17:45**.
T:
**10:20:18**
